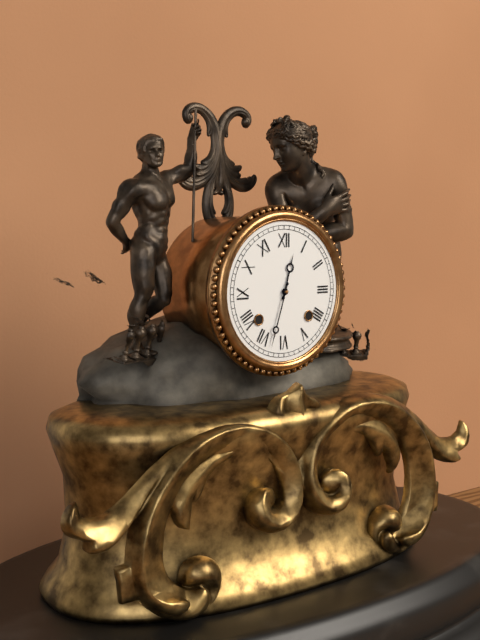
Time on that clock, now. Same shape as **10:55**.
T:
**12:33**
